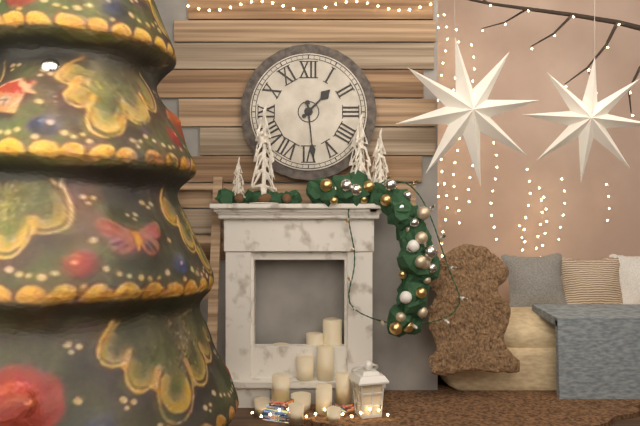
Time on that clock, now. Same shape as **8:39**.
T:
**1:29**
